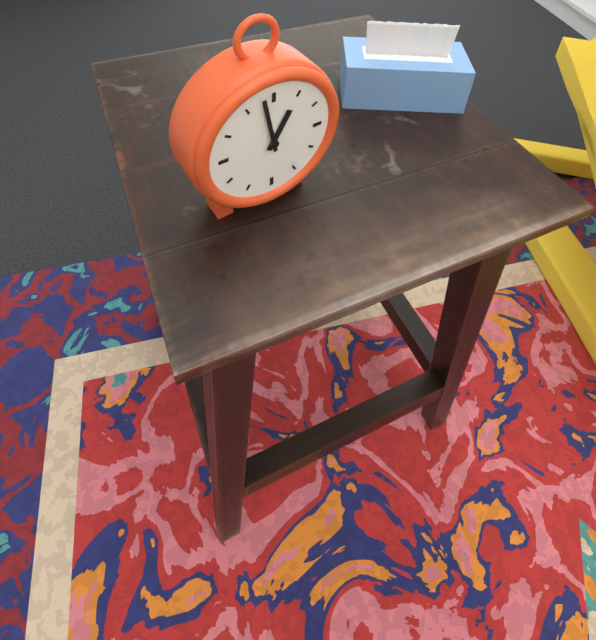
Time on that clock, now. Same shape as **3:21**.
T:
**12:58**
